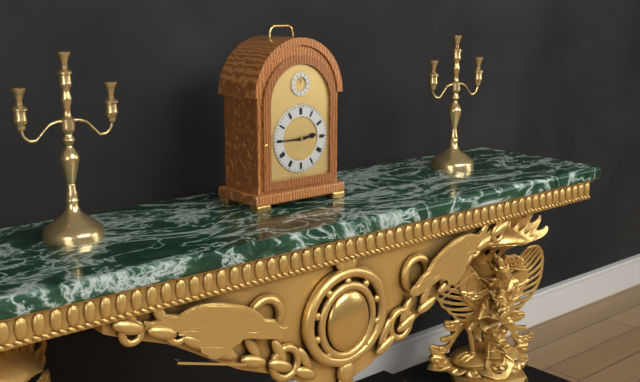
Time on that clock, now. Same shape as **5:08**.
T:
**2:45**
